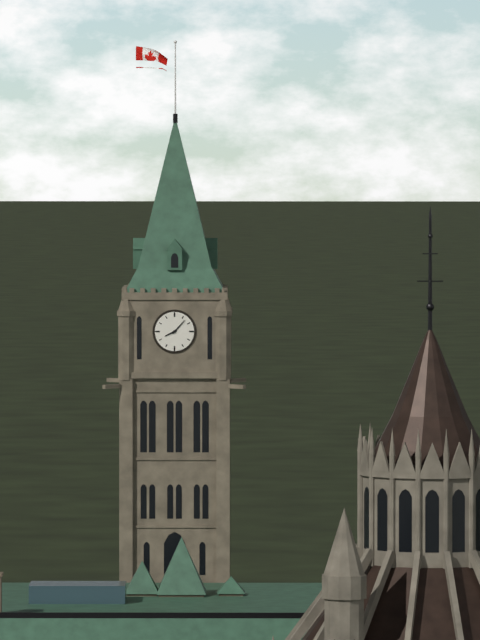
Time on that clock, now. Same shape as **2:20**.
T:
**8:07**
